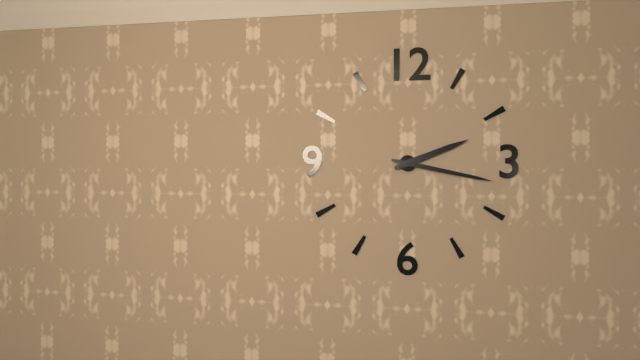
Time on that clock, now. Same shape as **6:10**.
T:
**2:17**
